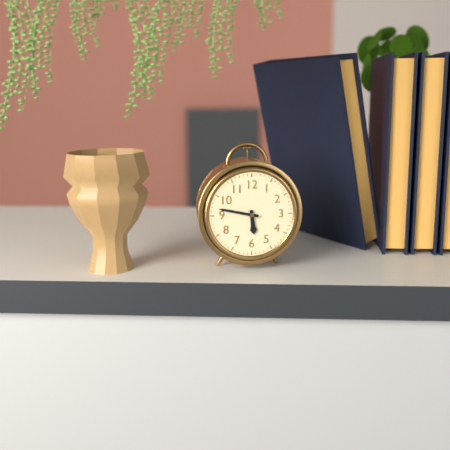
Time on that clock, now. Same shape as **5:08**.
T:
**5:47**
